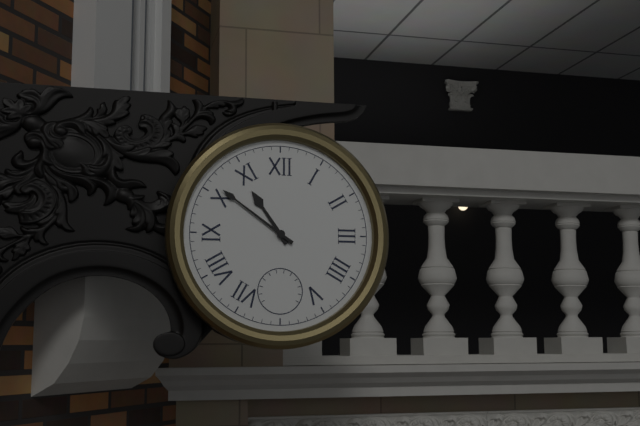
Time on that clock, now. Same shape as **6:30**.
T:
**10:51**
